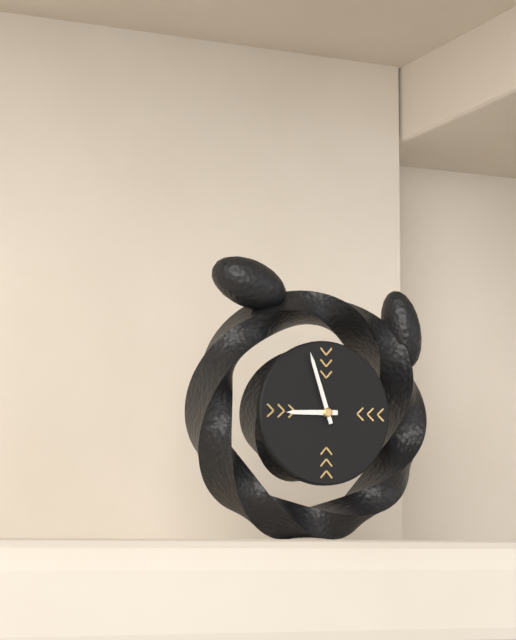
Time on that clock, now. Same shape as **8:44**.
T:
**8:57**
